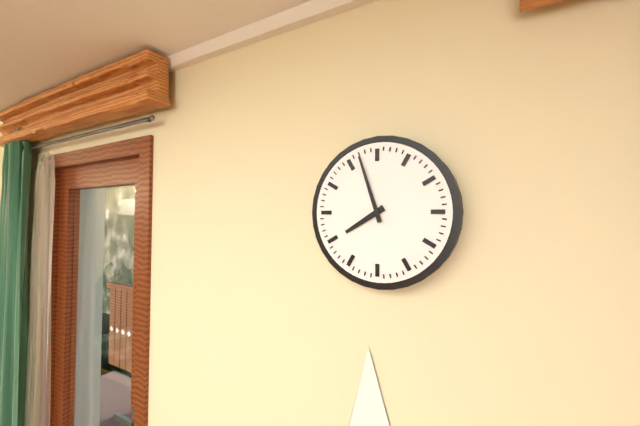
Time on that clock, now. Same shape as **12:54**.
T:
**7:57**
